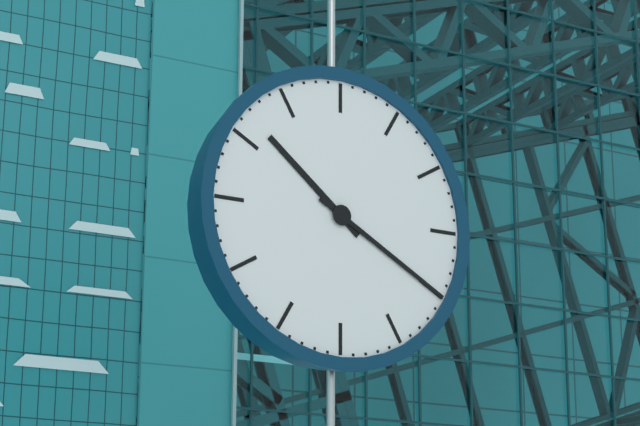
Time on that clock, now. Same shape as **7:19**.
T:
**10:20**
